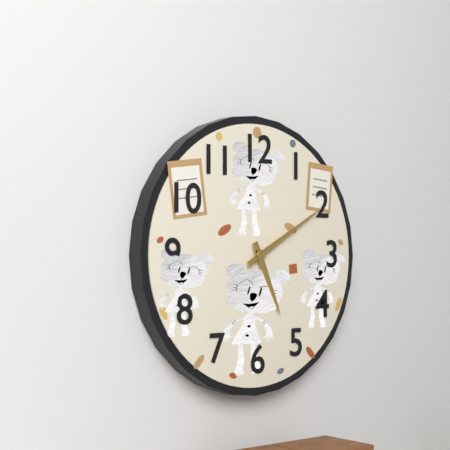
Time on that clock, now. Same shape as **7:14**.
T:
**5:10**
